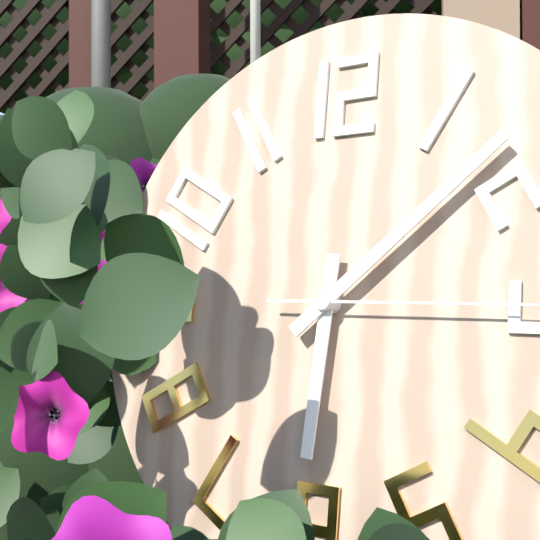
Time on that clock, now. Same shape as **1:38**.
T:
**6:08**
